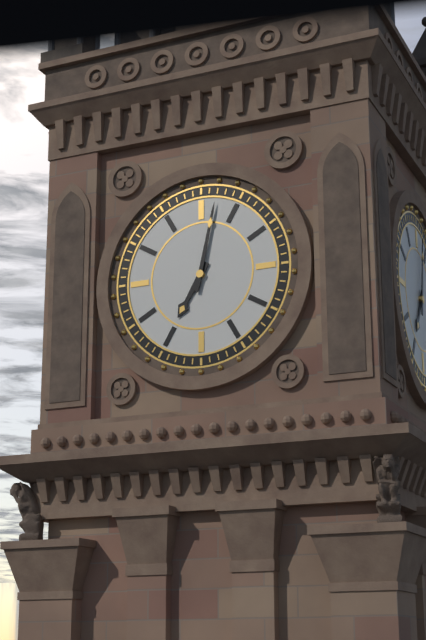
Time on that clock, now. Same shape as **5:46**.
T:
**7:02**
